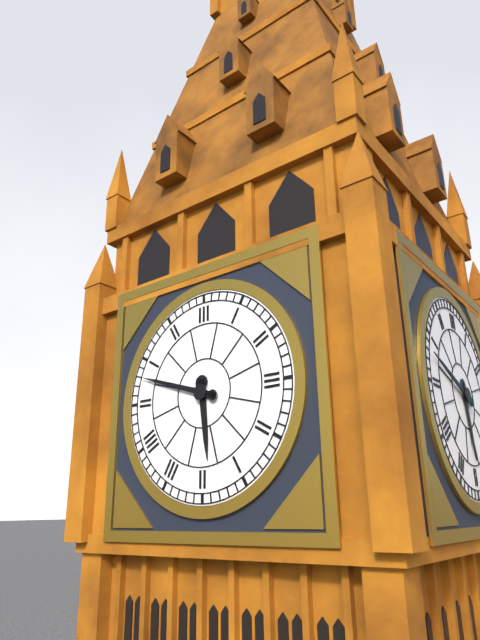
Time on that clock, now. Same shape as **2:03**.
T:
**5:48**
